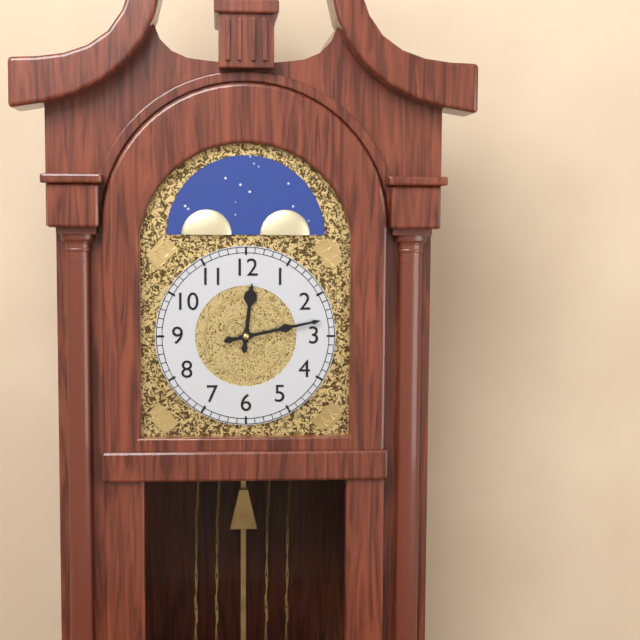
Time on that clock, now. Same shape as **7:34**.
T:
**12:13**
